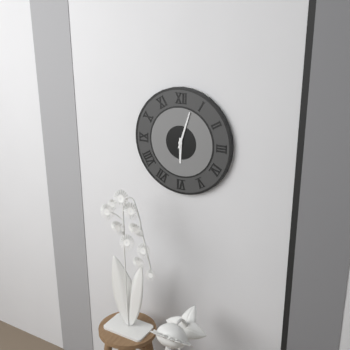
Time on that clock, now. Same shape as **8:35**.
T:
**6:03**
